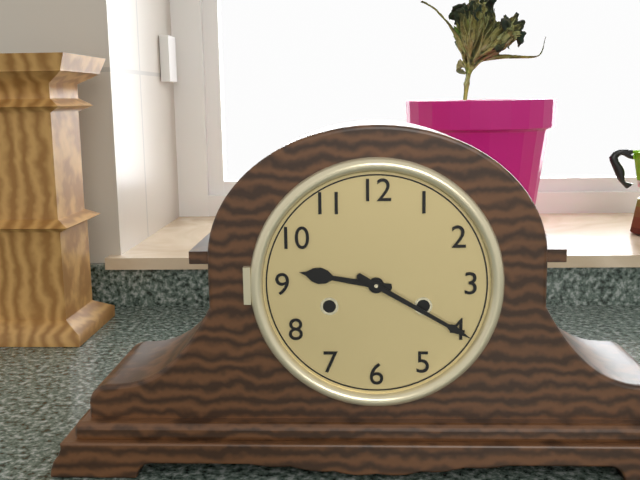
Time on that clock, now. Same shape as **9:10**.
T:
**9:20**
